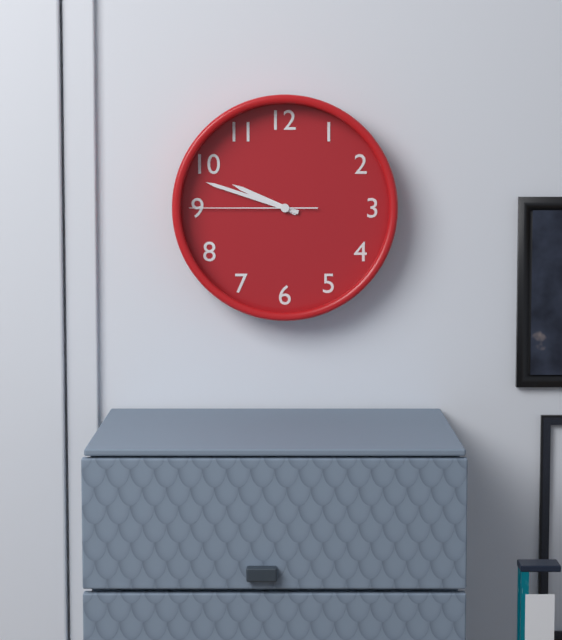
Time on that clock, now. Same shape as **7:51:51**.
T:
**9:48:45**
